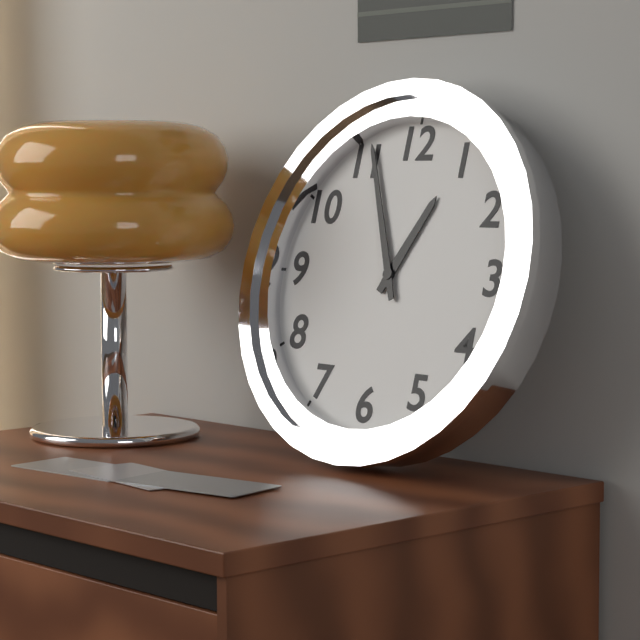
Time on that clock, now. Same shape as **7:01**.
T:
**12:56**
